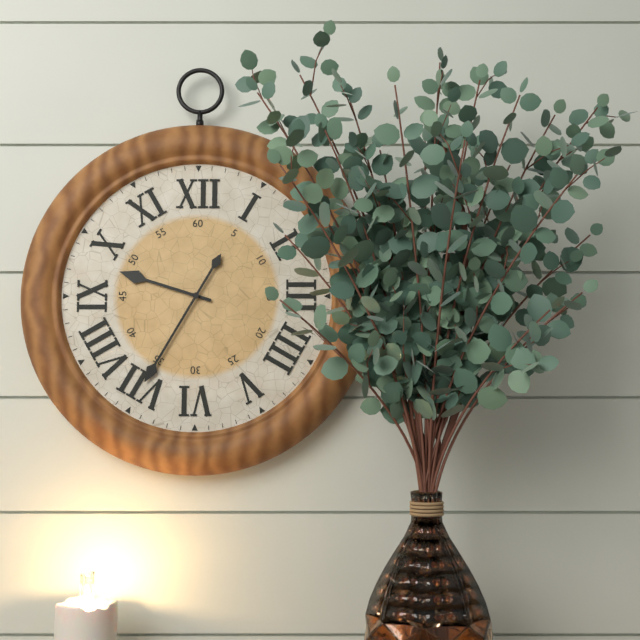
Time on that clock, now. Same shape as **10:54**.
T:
**9:35**
